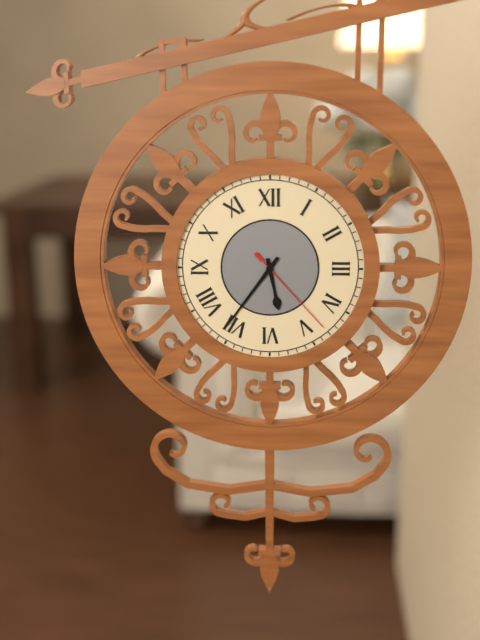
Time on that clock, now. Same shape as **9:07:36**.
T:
**5:36:23**
